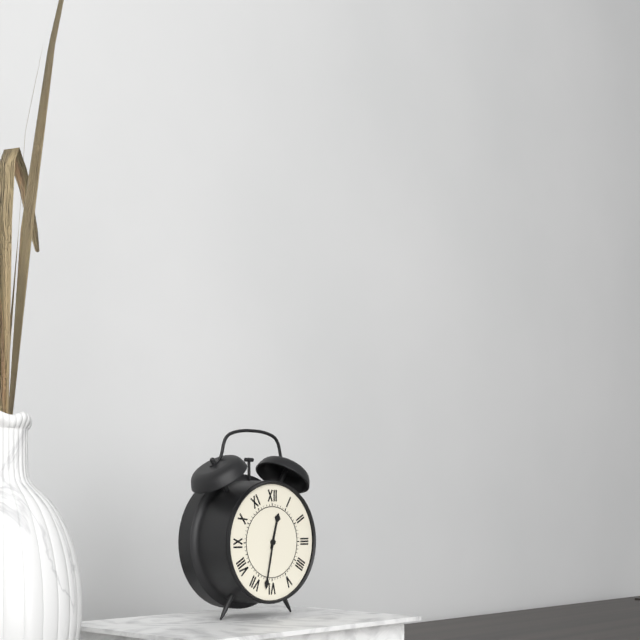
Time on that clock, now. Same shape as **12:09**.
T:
**12:32**
